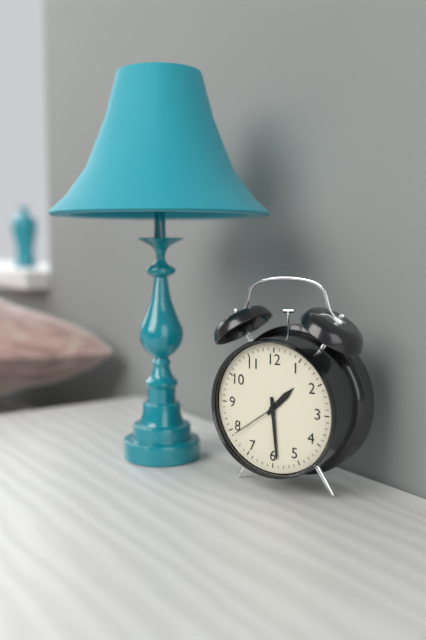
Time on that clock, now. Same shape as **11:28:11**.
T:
**1:29:39**
